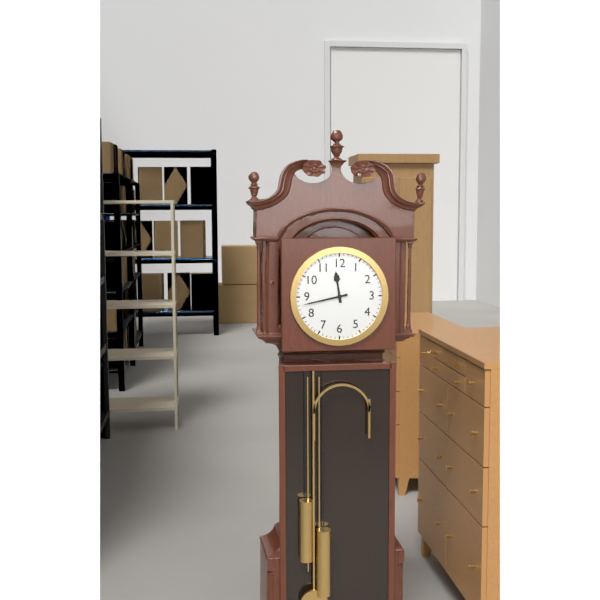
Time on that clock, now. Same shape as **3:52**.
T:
**11:43**
